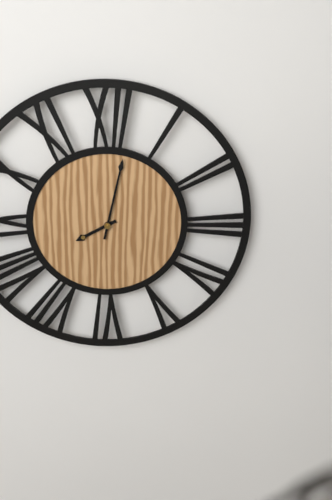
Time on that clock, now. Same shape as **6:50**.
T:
**8:02**
